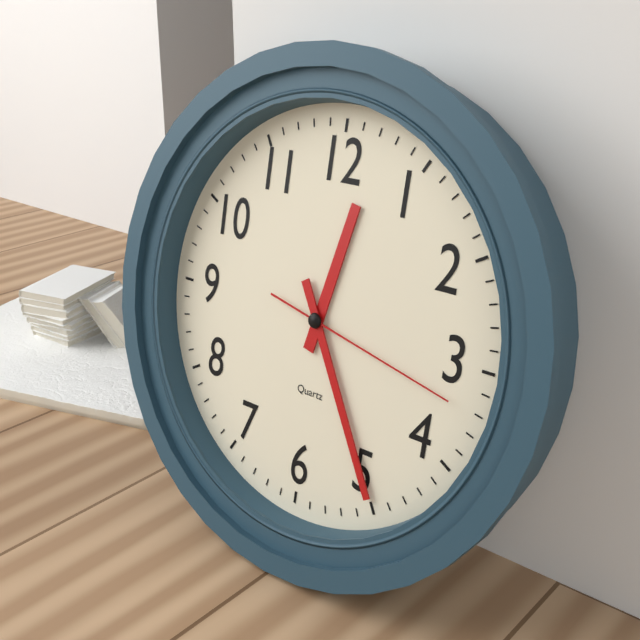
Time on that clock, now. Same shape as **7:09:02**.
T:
**12:25:17**
